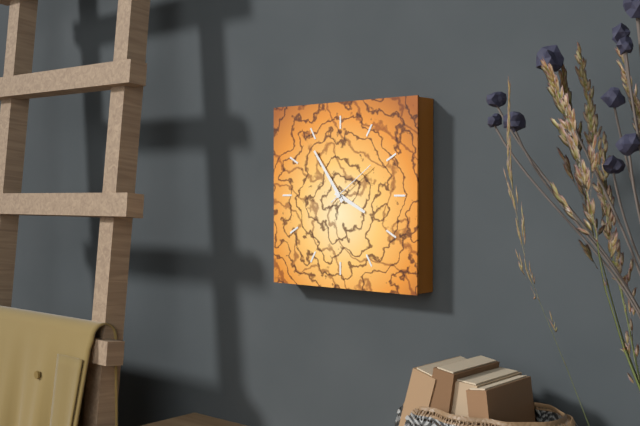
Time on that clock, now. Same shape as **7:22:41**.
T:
**3:54:09**
